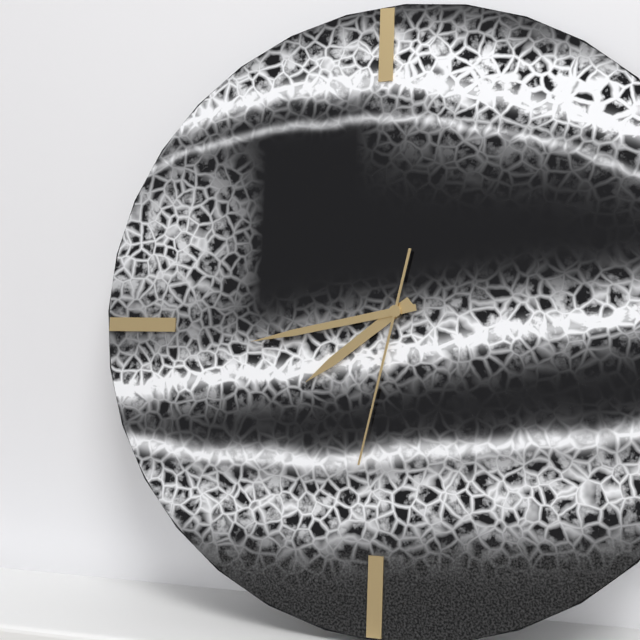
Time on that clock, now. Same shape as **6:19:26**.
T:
**7:43:32**
